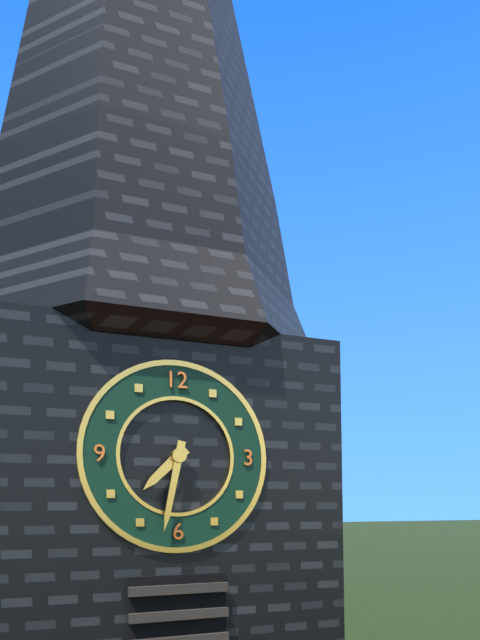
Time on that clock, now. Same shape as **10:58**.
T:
**7:32**
